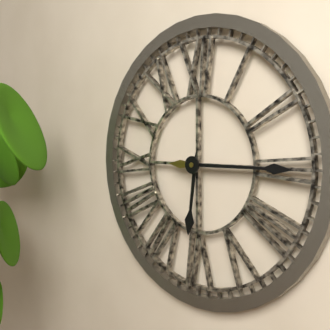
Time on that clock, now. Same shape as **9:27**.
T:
**6:15**
